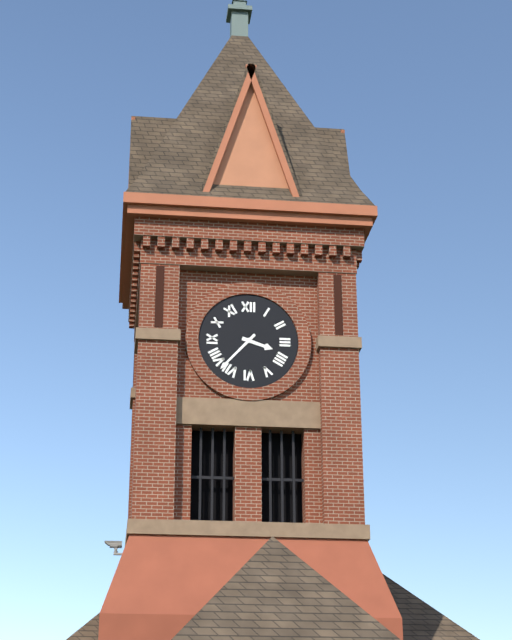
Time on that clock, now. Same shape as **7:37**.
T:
**3:37**
